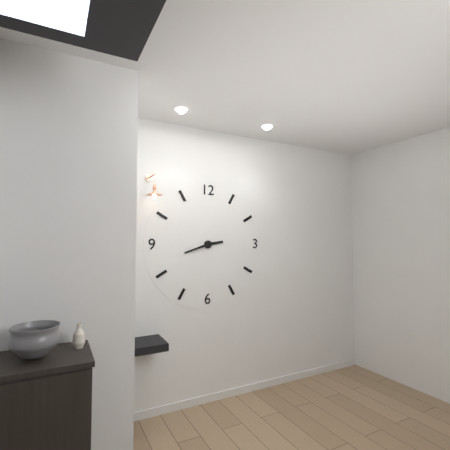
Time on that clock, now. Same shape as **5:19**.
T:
**2:42**
